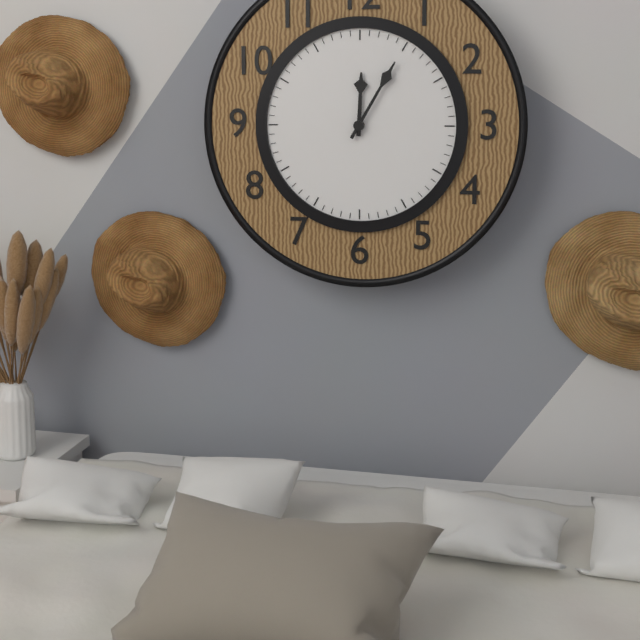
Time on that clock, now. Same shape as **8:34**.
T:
**12:05**
